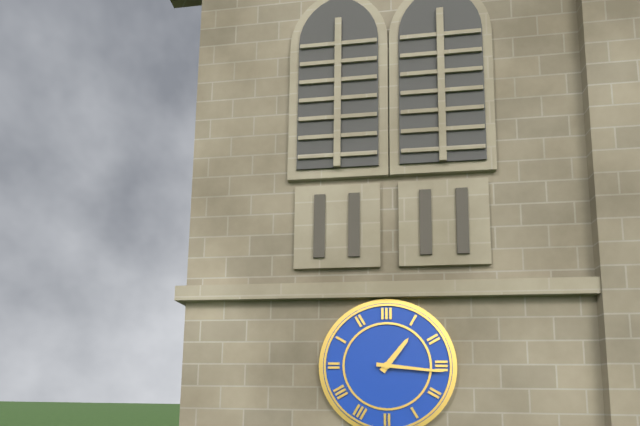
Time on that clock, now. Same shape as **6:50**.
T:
**1:16**
